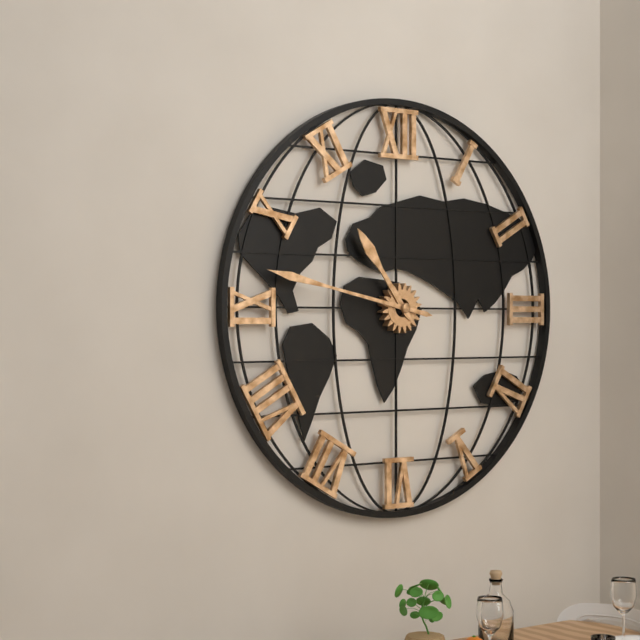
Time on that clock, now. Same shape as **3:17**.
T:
**10:47**
